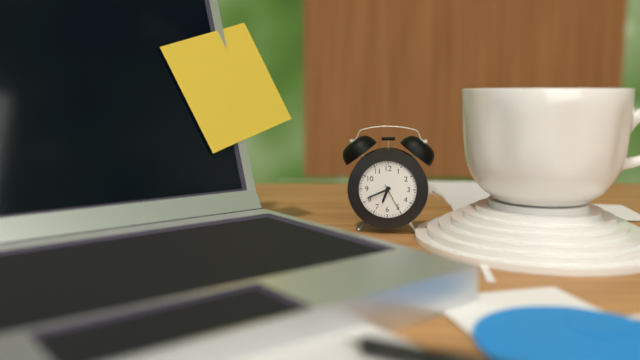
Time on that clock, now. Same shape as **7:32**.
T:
**6:41**
